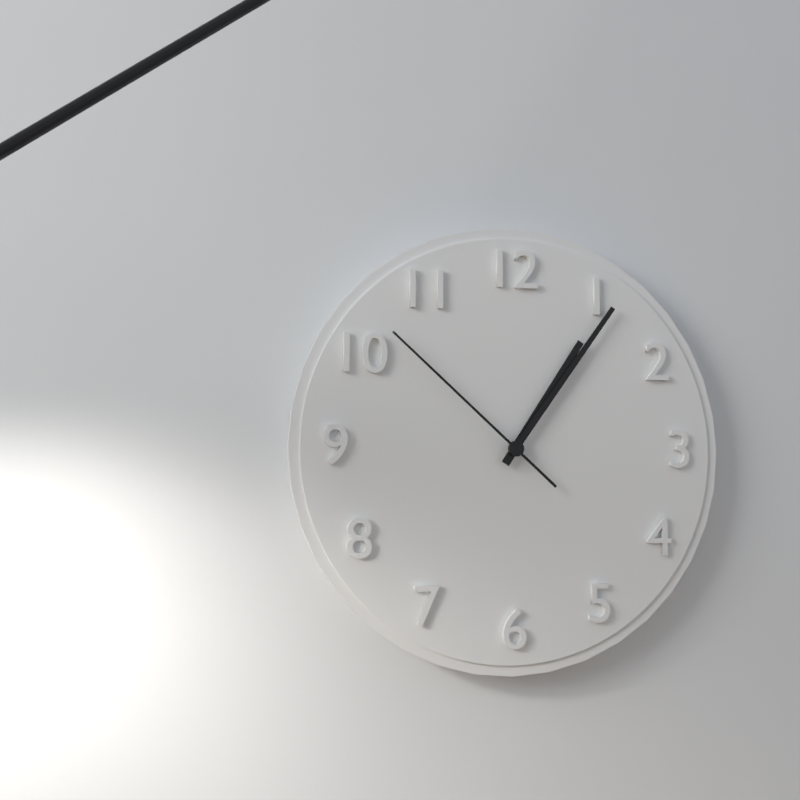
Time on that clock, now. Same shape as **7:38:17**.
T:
**1:06:52**
